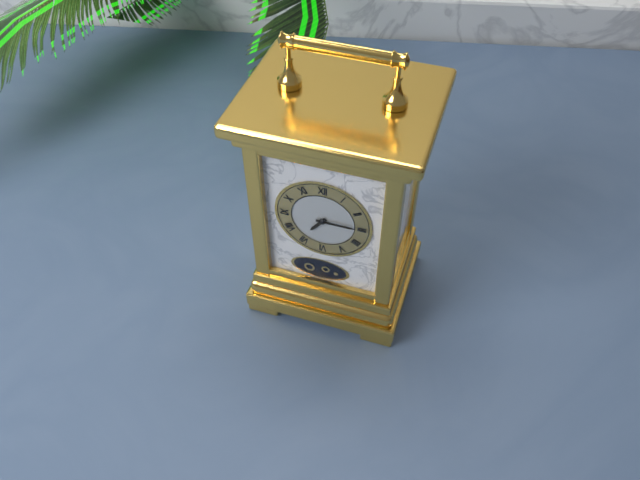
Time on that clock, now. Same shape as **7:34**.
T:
**7:15**
